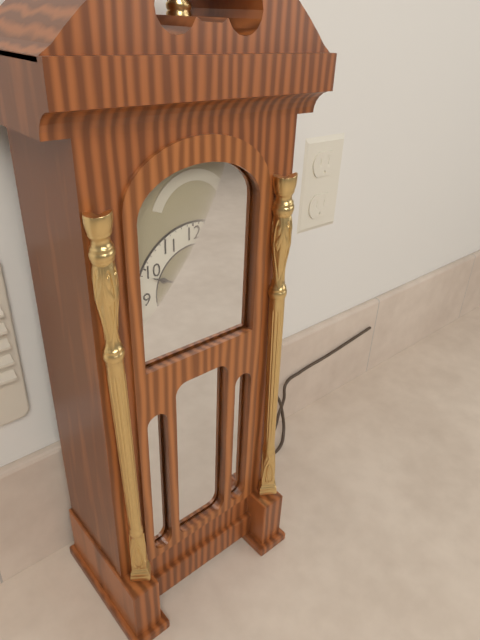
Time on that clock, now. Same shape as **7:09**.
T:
**2:49**
